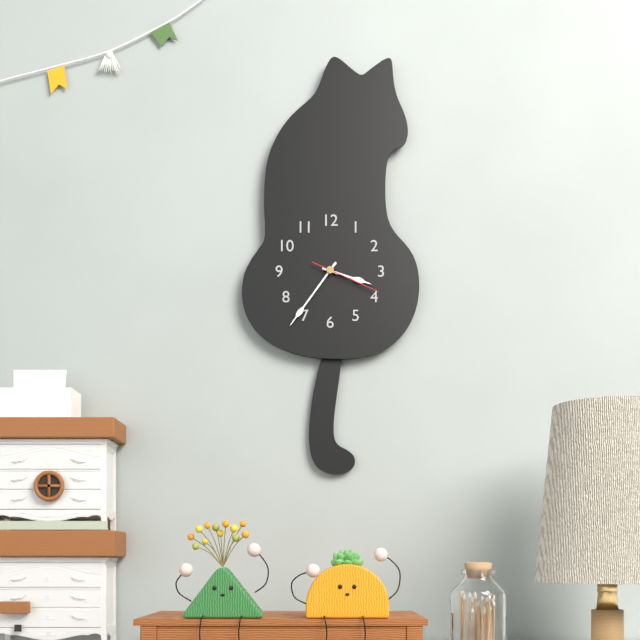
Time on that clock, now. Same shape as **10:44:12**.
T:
**3:36:19**
